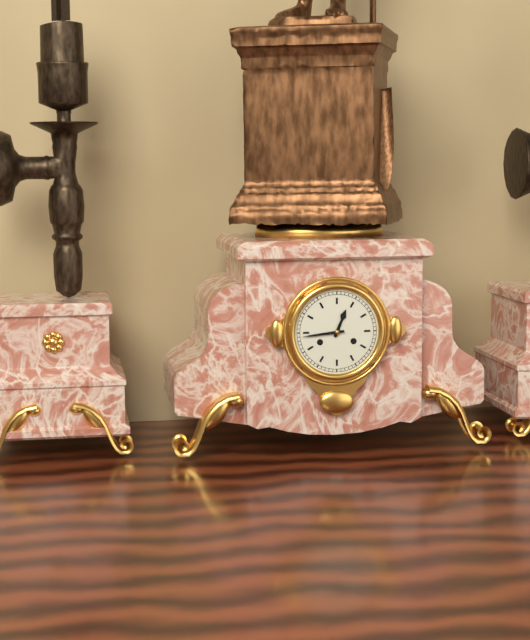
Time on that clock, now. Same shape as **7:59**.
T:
**12:44**
